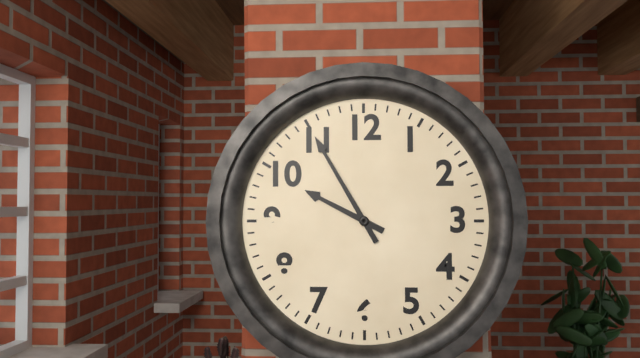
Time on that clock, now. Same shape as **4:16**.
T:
**9:55**
